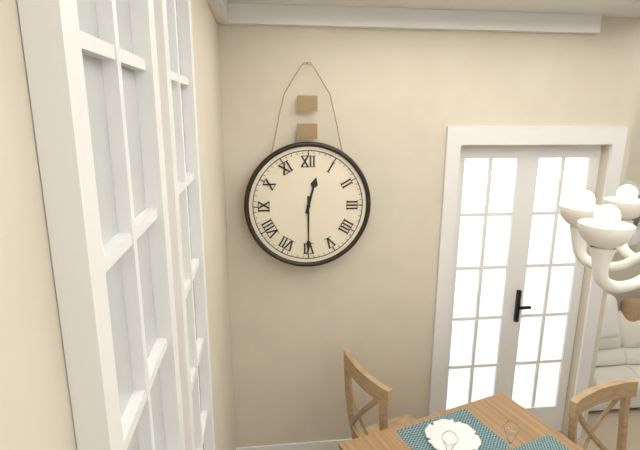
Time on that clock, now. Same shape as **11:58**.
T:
**12:30**
